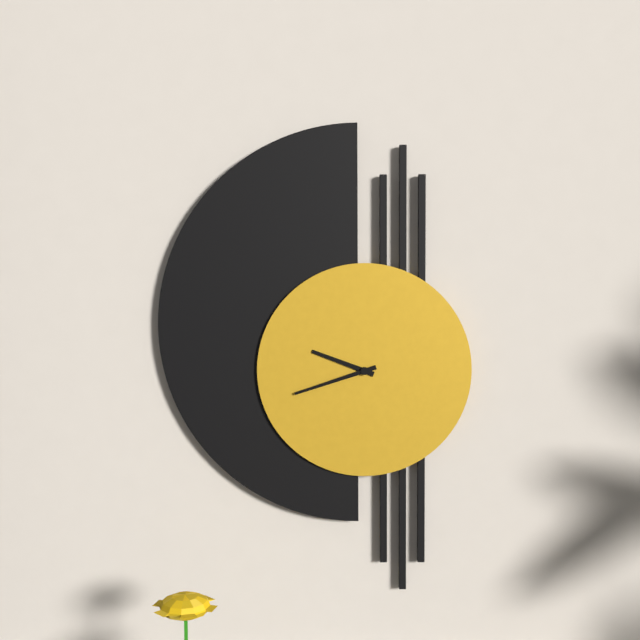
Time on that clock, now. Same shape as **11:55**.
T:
**9:42**
